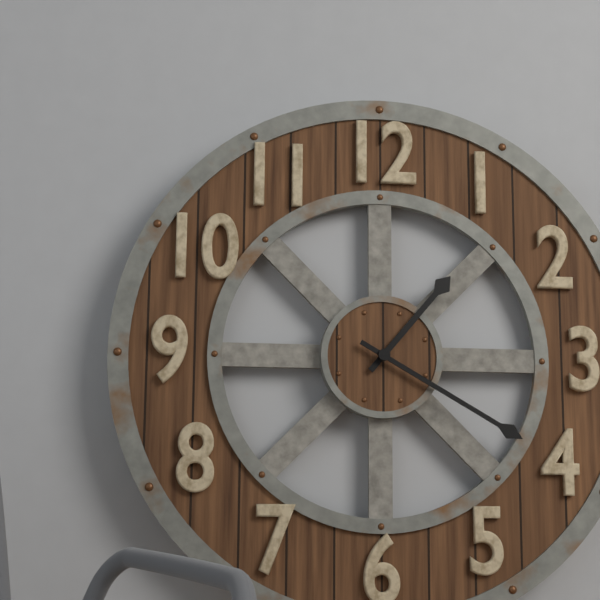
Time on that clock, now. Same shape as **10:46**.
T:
**1:20**
